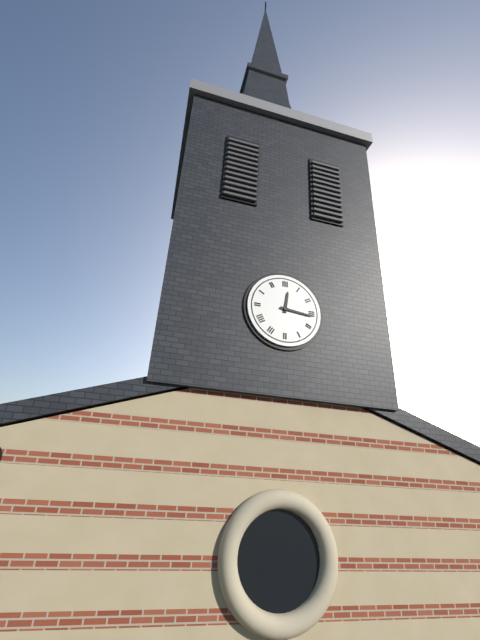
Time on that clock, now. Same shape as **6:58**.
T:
**12:16**
